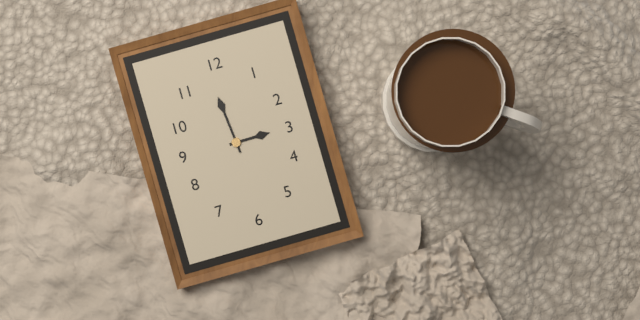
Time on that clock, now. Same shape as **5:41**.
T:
**2:59**
